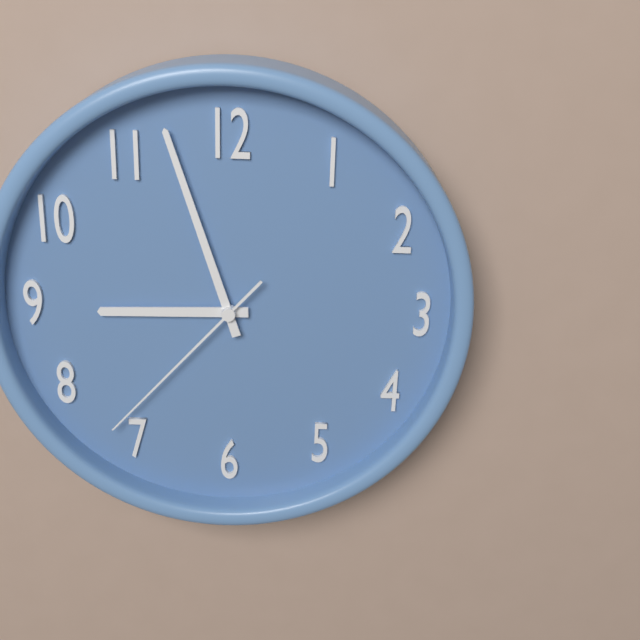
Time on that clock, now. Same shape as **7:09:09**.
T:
**8:57:37**
